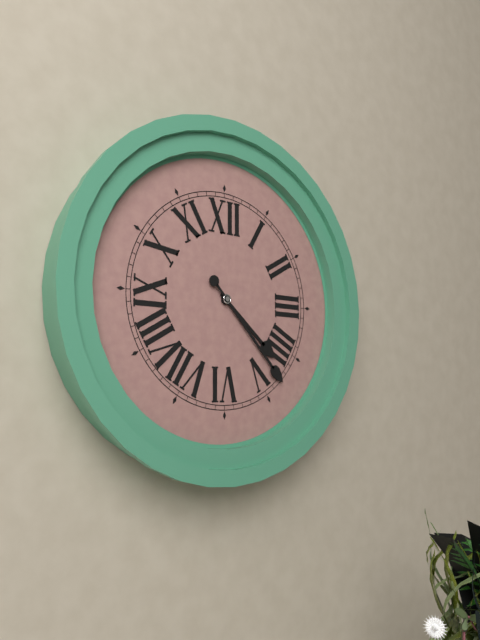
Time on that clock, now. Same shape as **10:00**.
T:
**4:23**
